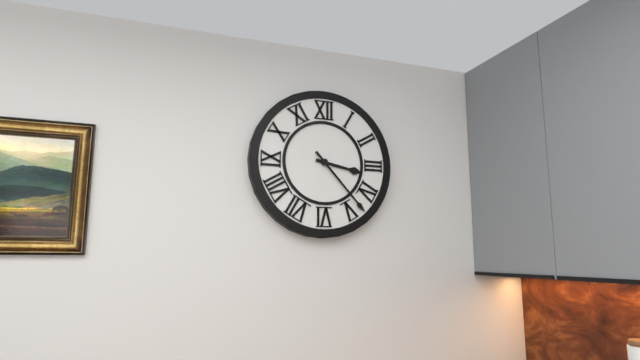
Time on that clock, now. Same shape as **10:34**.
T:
**3:23**
